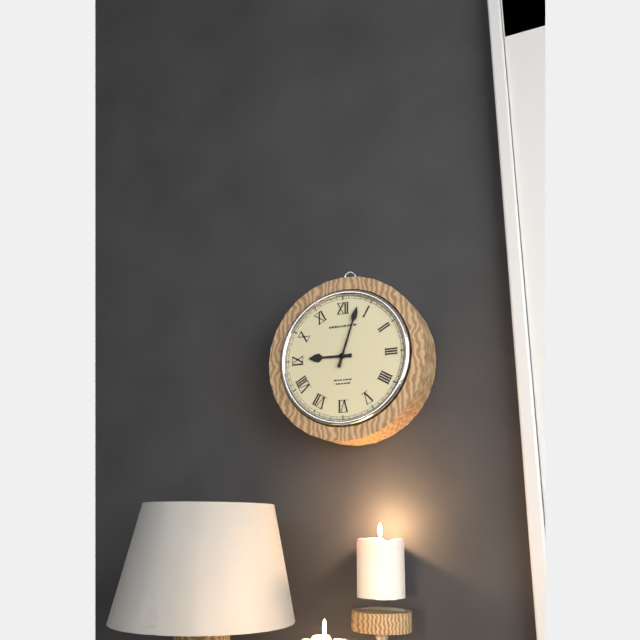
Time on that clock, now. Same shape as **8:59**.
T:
**9:03**
